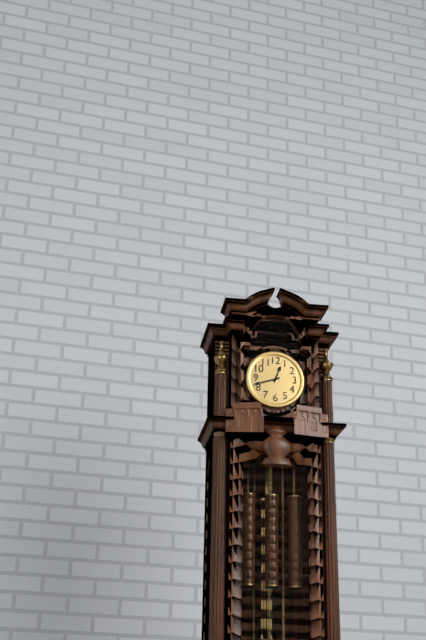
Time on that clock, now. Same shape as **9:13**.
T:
**12:42**
